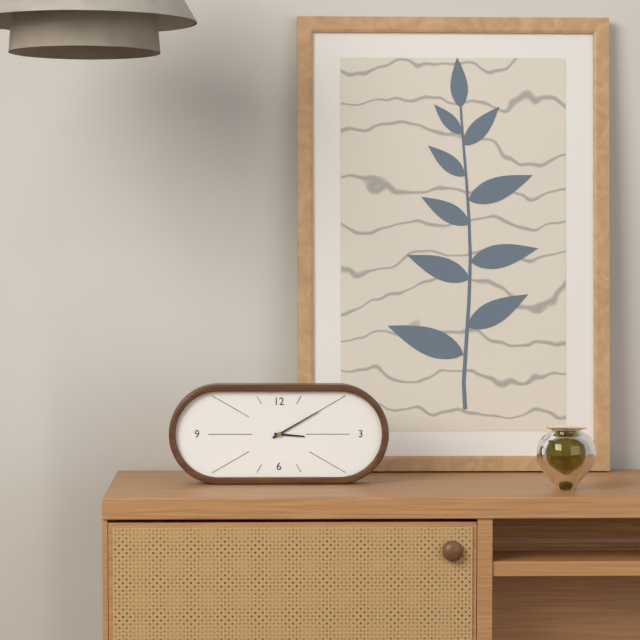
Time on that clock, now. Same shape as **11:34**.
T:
**3:10**
